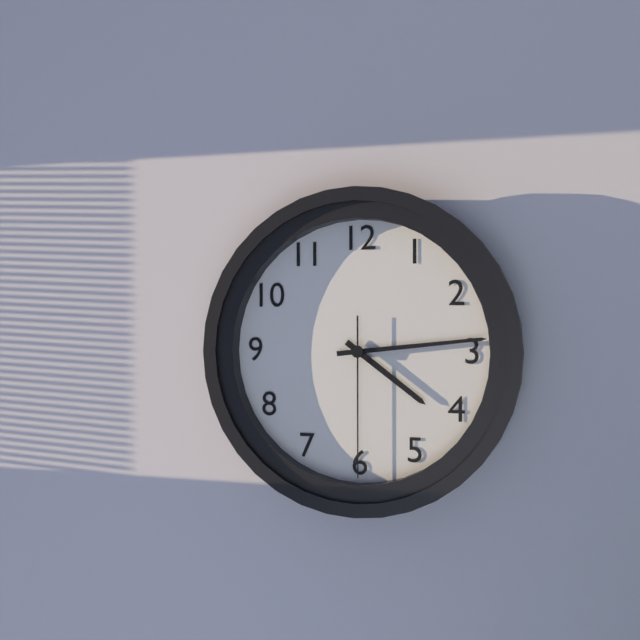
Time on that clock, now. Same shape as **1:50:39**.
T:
**4:14:30**
